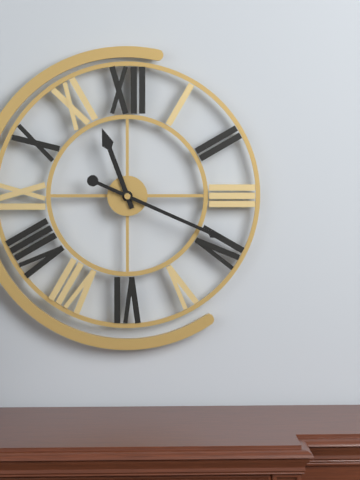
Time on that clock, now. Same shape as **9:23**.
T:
**11:19**
